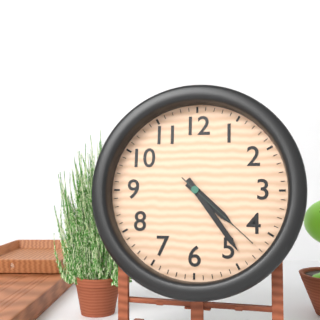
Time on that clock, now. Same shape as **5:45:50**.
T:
**4:24:22**
